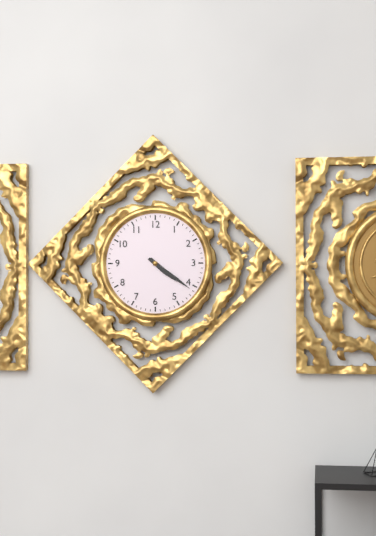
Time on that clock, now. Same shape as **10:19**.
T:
**4:21**
